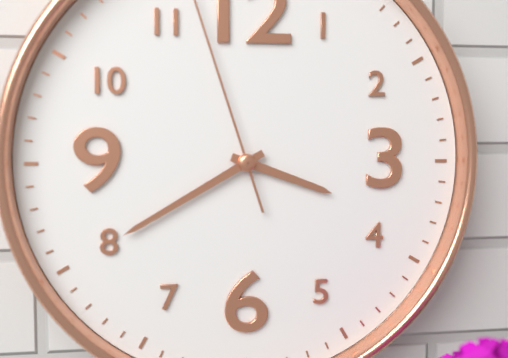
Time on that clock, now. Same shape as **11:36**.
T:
**3:40**
